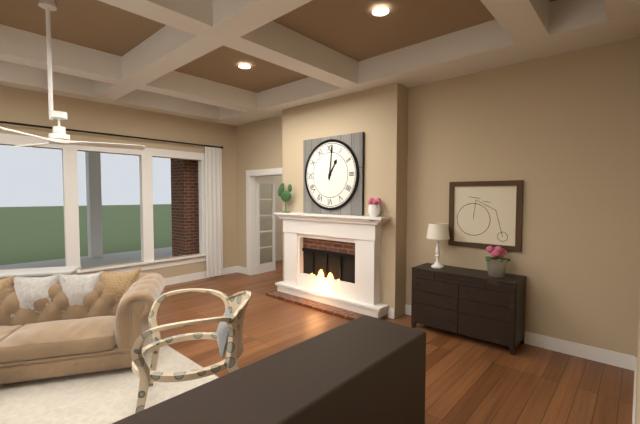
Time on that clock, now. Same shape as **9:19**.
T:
**1:01**
